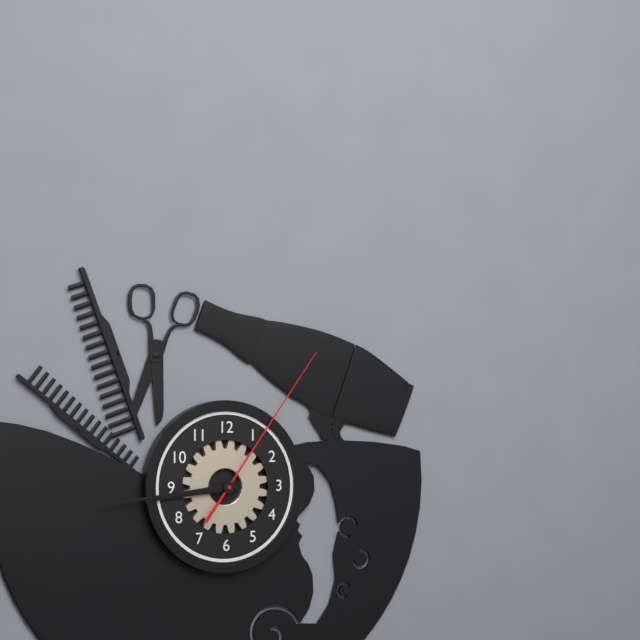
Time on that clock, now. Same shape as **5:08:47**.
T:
**8:44:06**
